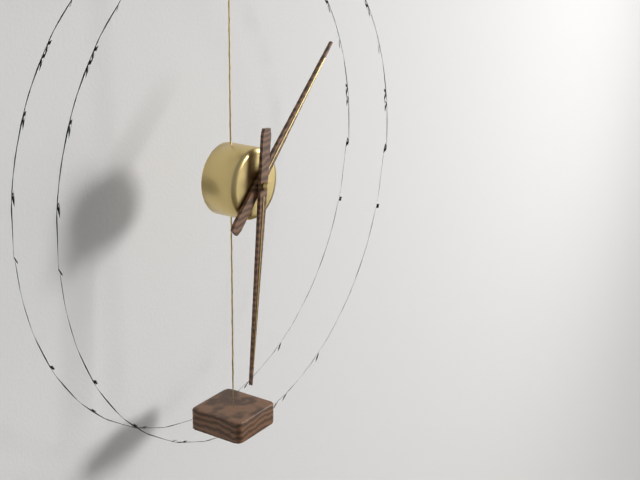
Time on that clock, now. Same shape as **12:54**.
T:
**1:31**
